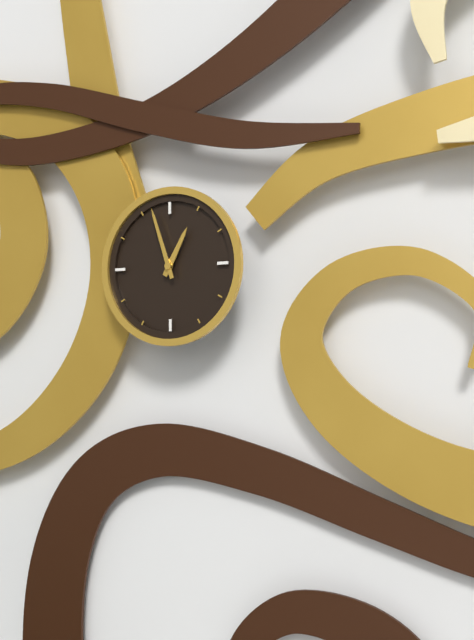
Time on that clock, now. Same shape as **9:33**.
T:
**12:57**
